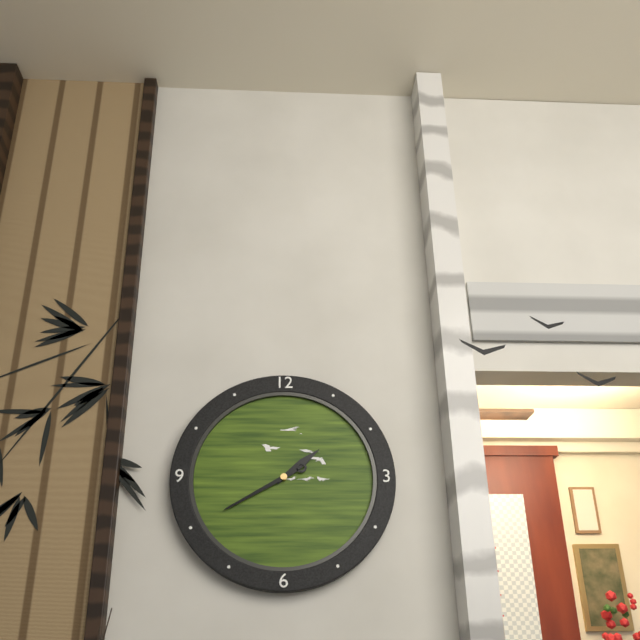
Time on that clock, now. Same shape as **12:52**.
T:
**1:40**
